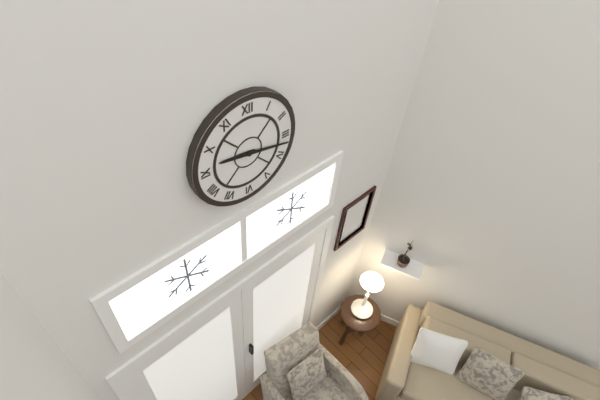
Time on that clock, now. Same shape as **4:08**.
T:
**9:17**
